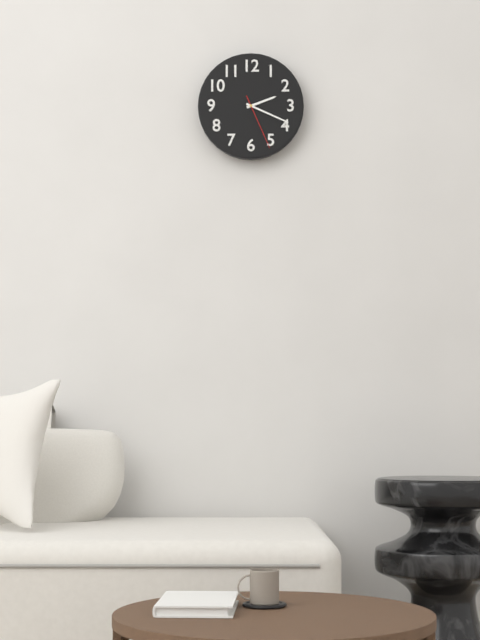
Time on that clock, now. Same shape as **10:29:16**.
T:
**2:19:26**
